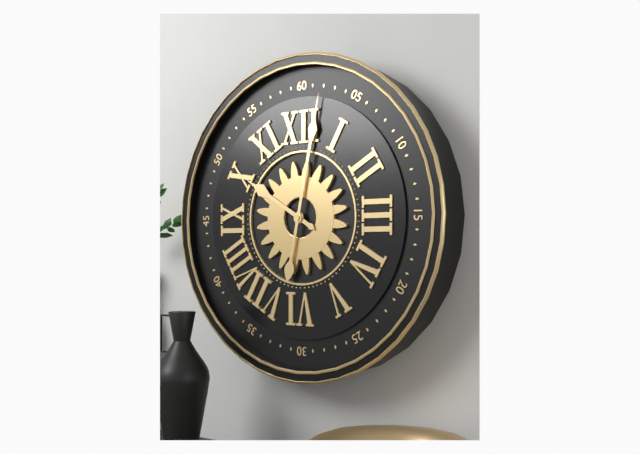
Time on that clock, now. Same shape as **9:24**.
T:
**10:02**
